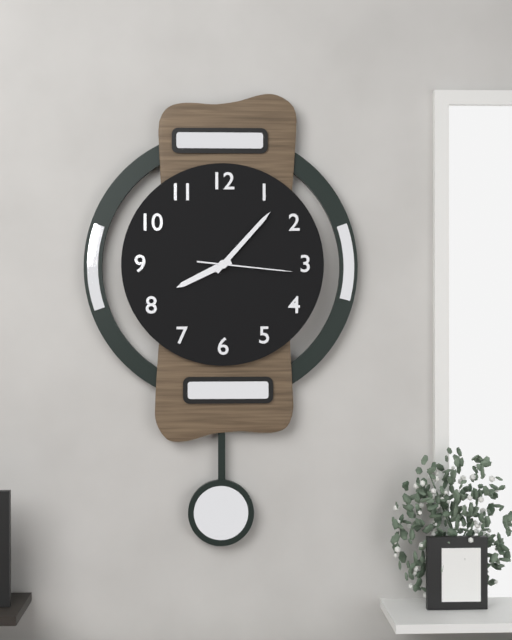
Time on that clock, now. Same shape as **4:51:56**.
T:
**8:07:16**
